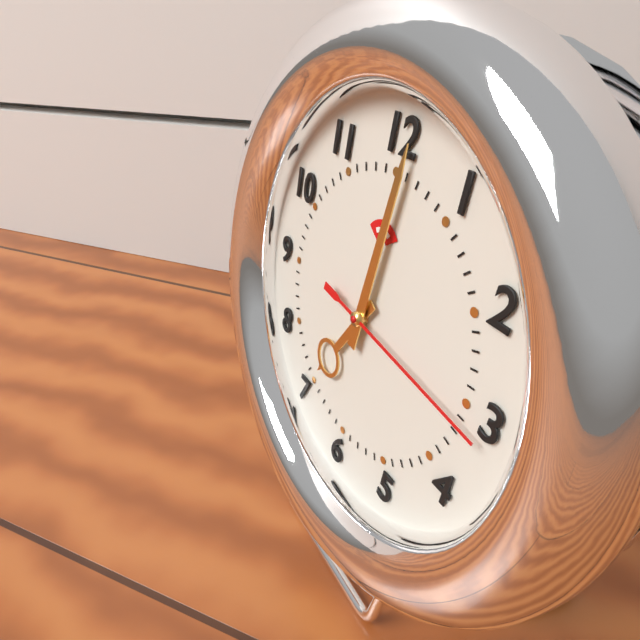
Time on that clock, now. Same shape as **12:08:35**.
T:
**7:01:16**
